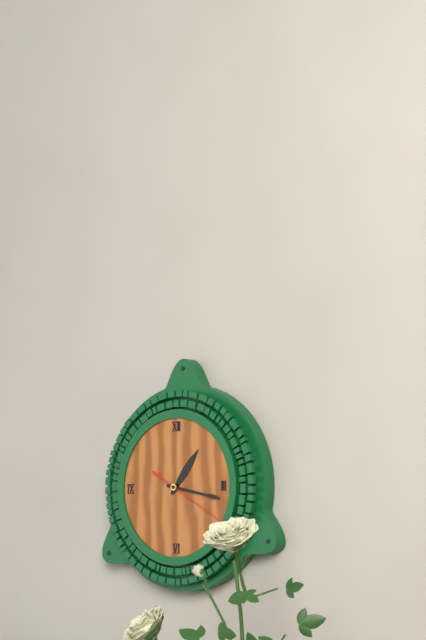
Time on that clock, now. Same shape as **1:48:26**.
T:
**1:17:20**
